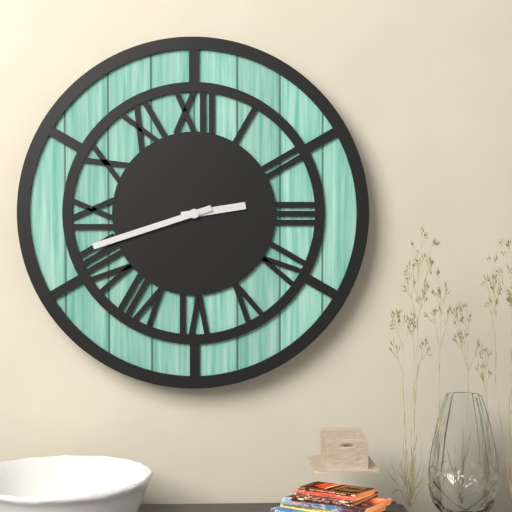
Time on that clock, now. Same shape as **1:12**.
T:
**2:42**
